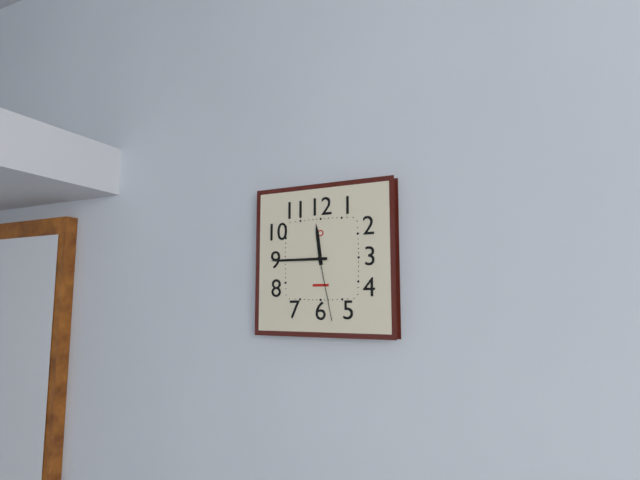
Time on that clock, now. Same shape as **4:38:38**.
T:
**11:45:28**
